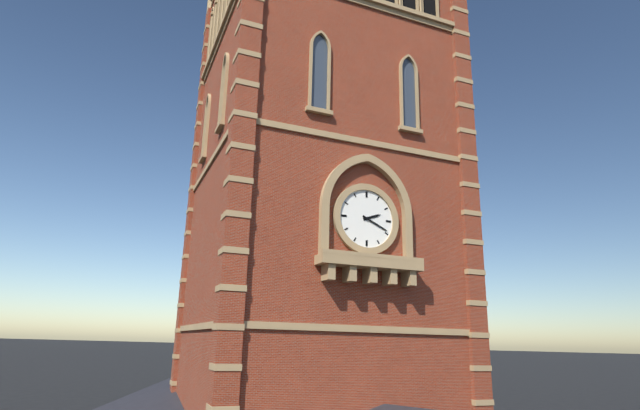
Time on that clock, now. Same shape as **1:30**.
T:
**2:19**
